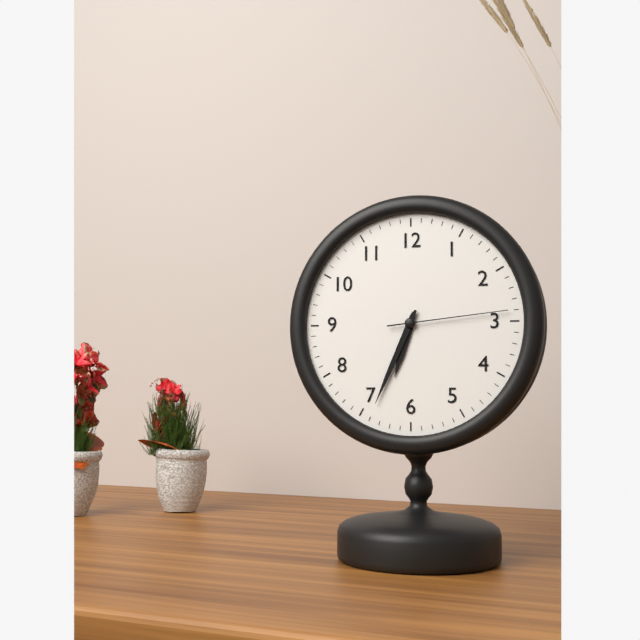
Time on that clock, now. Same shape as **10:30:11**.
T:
**6:34:14**
